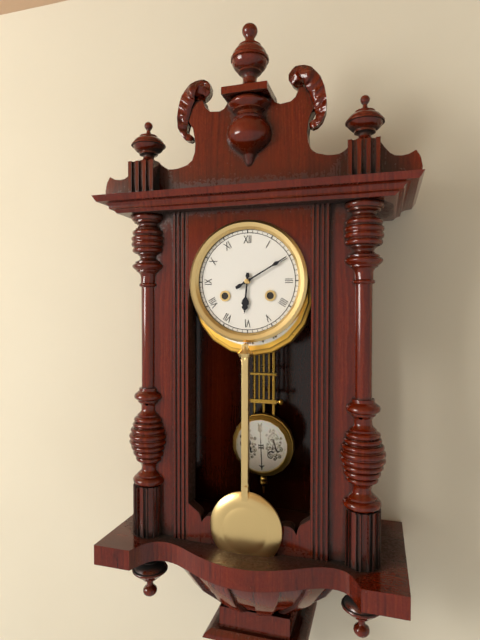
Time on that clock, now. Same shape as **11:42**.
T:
**6:10**
